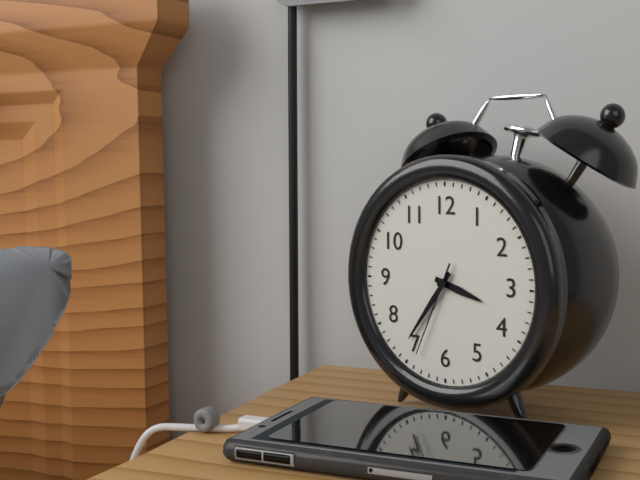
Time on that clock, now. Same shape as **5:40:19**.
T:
**3:36:34**
